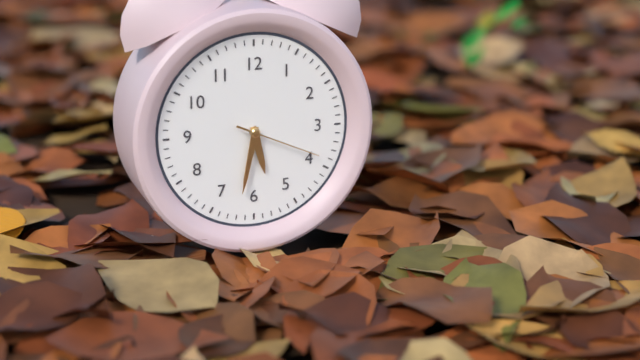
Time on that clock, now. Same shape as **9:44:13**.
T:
**5:32:19**
